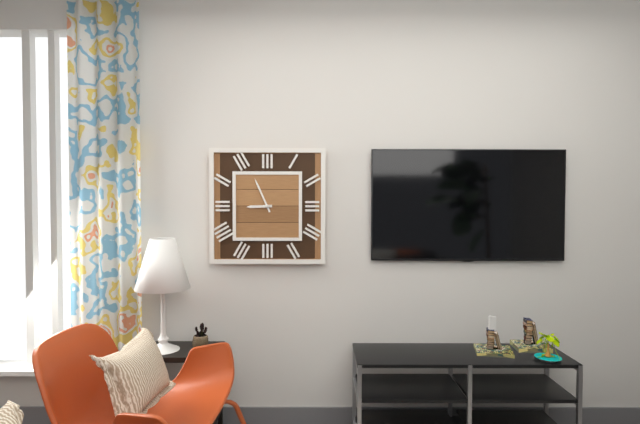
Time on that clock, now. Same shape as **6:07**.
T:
**8:56**
